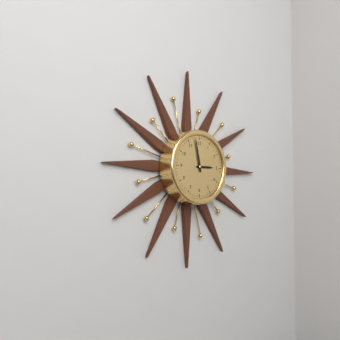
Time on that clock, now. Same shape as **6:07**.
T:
**2:58**
